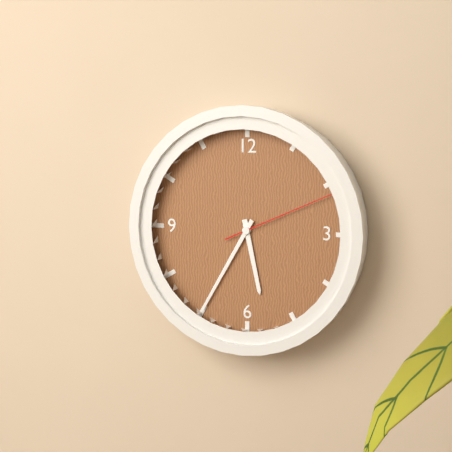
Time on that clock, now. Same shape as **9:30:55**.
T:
**5:35:11**
